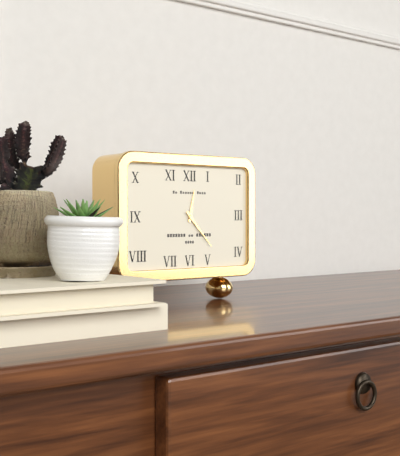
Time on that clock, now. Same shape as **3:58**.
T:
**12:23**
